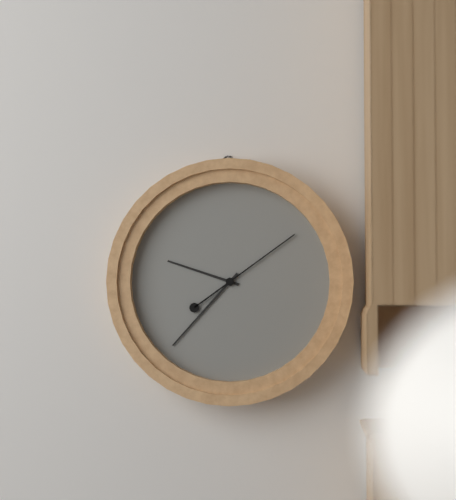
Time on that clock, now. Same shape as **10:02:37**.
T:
**9:37:09**
